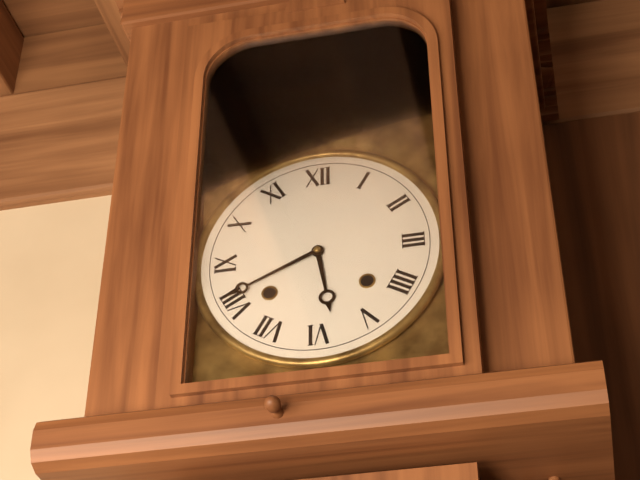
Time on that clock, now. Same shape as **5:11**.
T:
**5:41**
